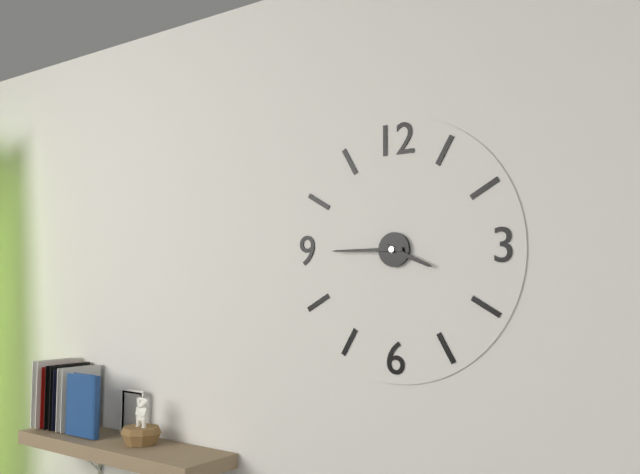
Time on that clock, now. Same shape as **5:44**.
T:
**3:45**
